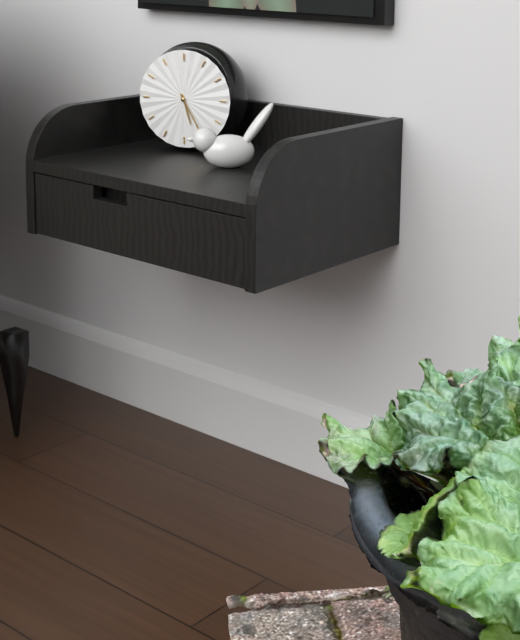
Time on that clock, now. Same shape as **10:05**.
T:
**5:25**
